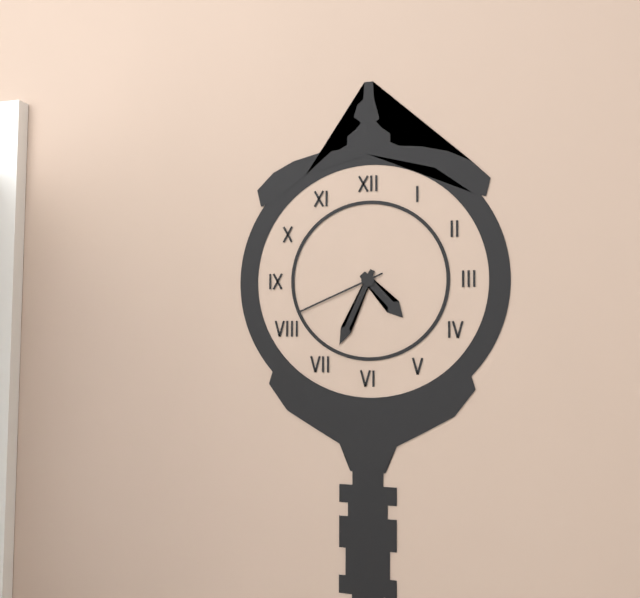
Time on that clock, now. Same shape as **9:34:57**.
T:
**4:34:41**
